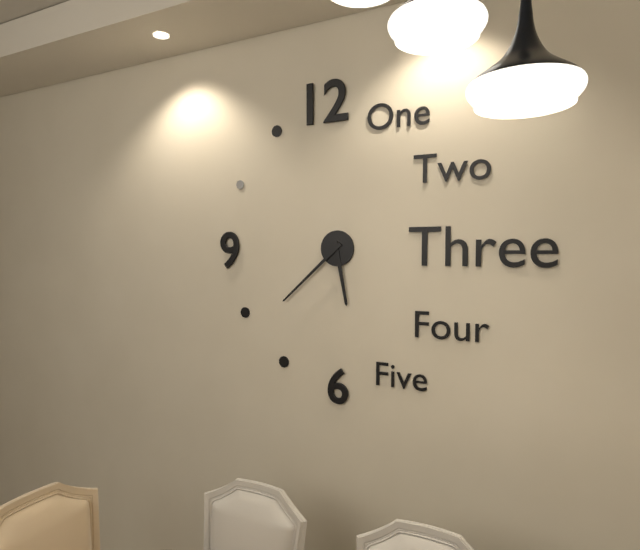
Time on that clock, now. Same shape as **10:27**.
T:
**5:38**
